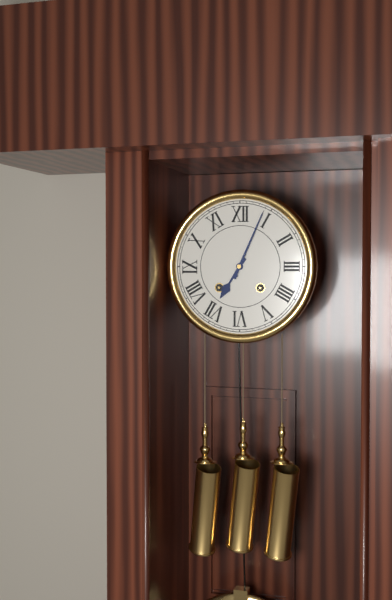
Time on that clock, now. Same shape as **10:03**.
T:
**7:04**
